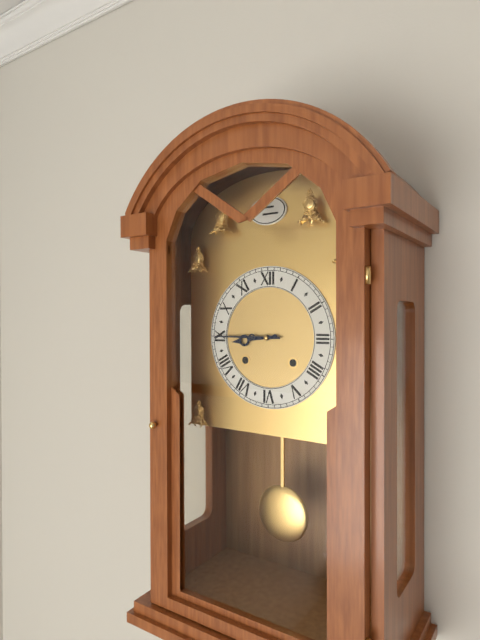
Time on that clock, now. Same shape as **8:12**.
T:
**8:45**
